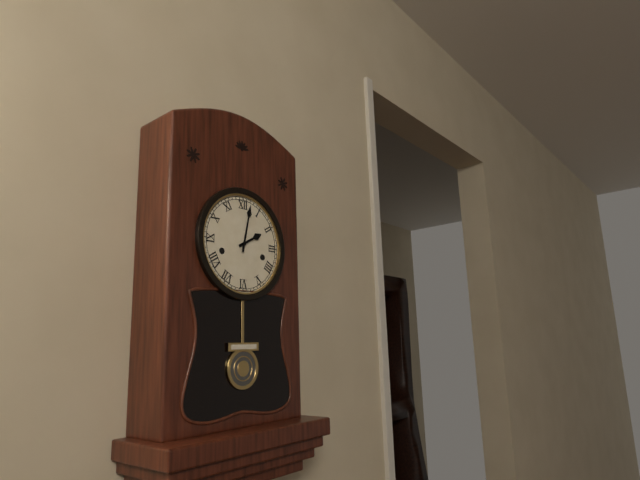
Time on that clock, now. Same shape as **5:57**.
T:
**2:02**
